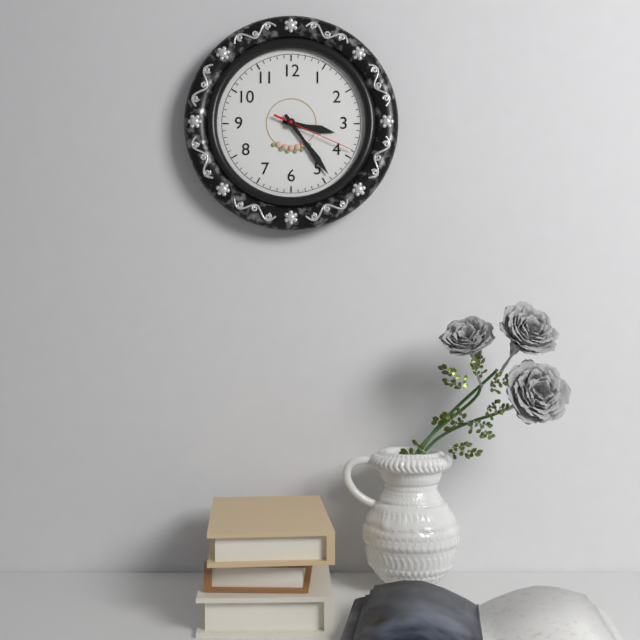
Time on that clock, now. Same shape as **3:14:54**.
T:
**3:24:19**
